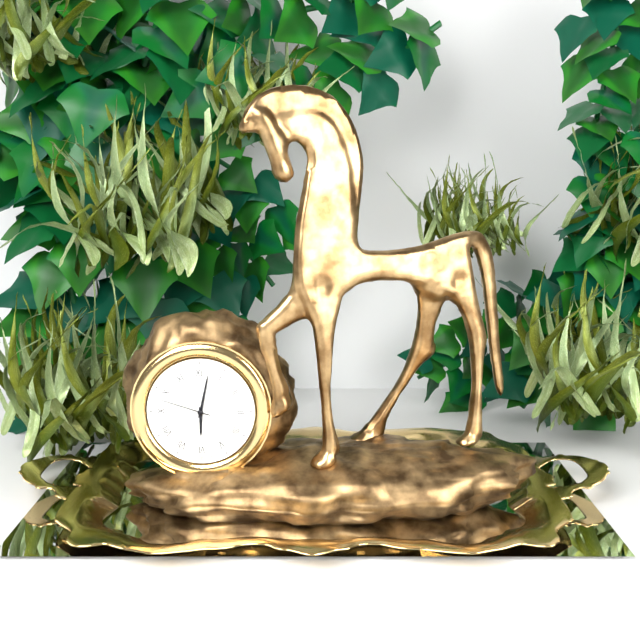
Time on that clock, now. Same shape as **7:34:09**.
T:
**6:02:48**
